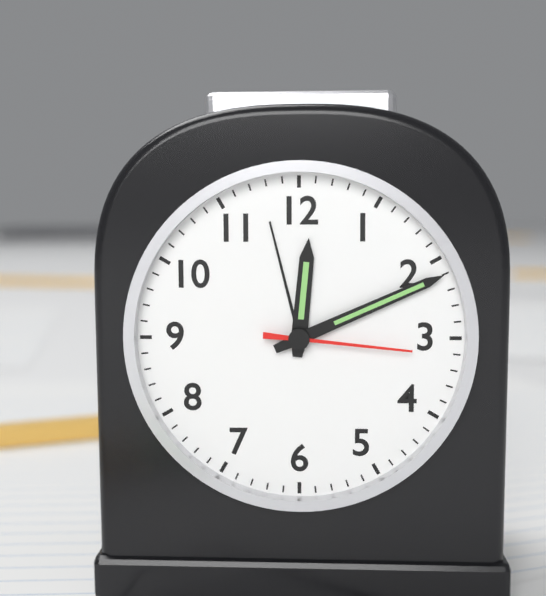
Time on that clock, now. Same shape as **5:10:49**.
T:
**12:11:16**
